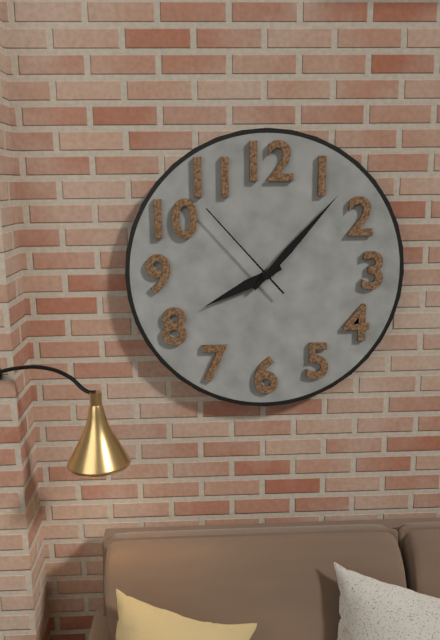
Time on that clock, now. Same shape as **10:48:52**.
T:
**8:07:53**
